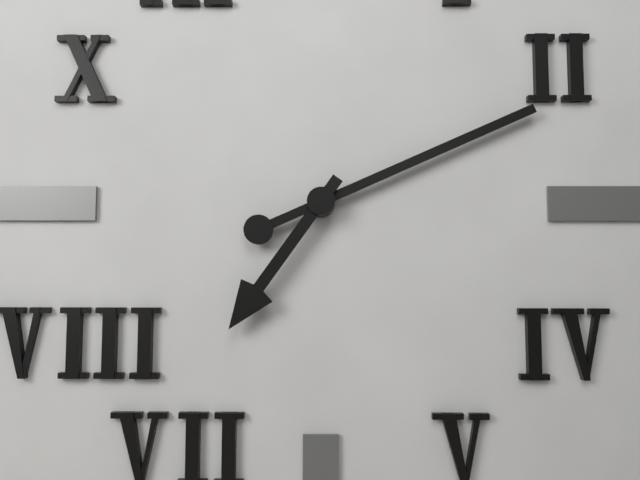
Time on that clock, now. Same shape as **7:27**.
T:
**7:11**
